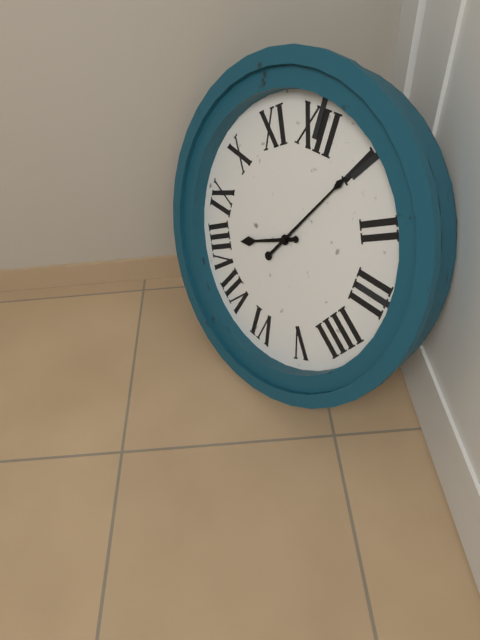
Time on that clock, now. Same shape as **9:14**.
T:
**8:05**
